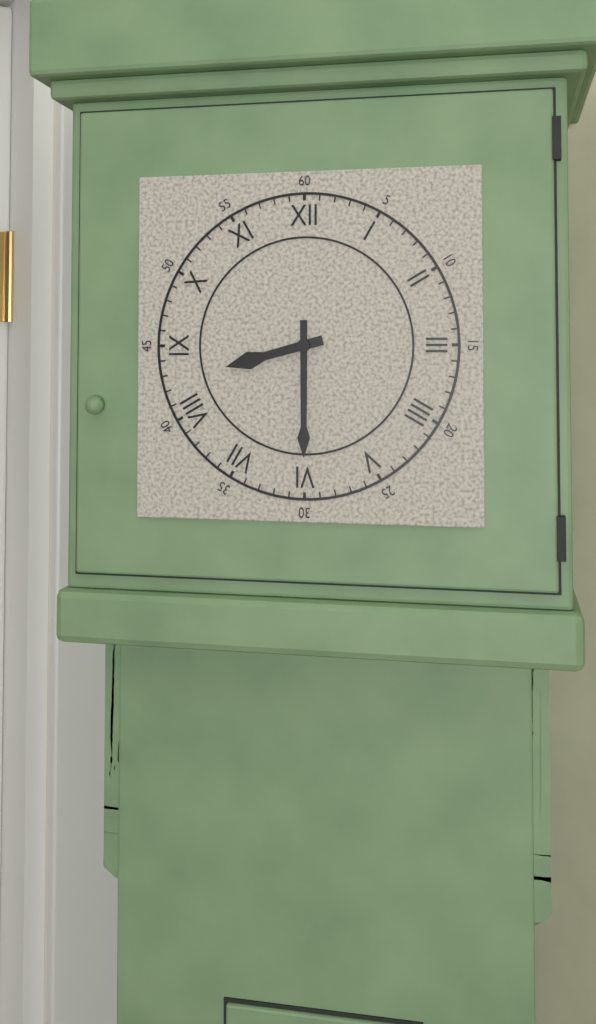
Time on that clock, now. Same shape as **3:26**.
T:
**8:30**
